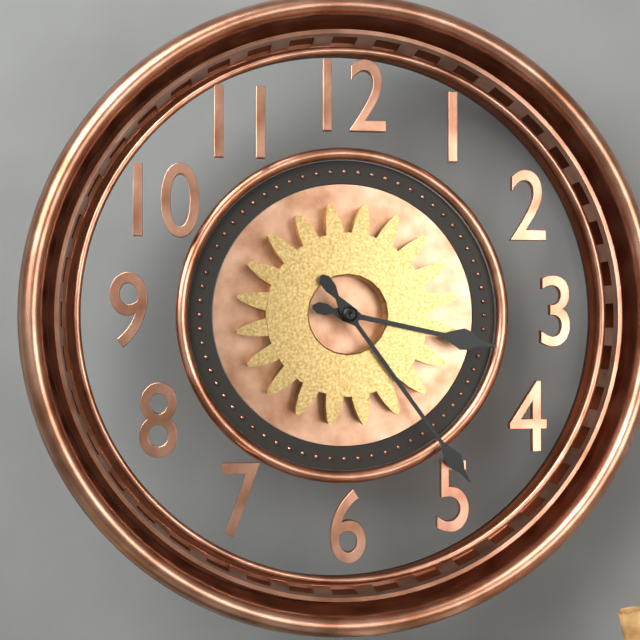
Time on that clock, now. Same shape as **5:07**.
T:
**3:24**
